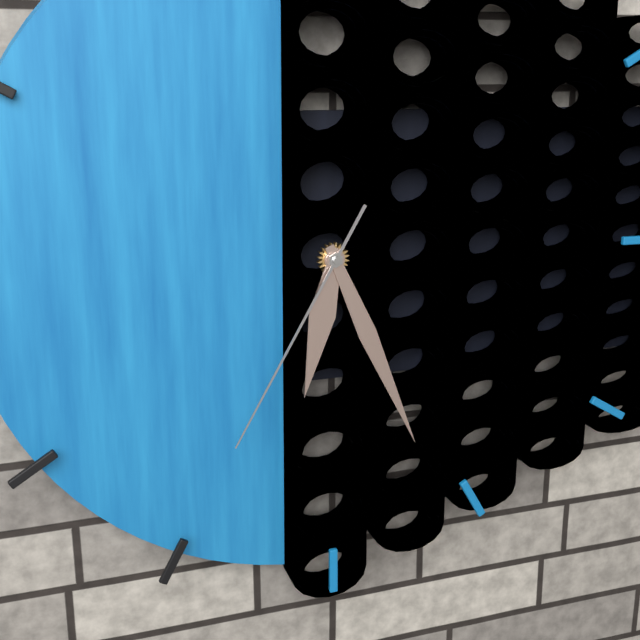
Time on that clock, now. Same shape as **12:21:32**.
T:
**6:26:35**
